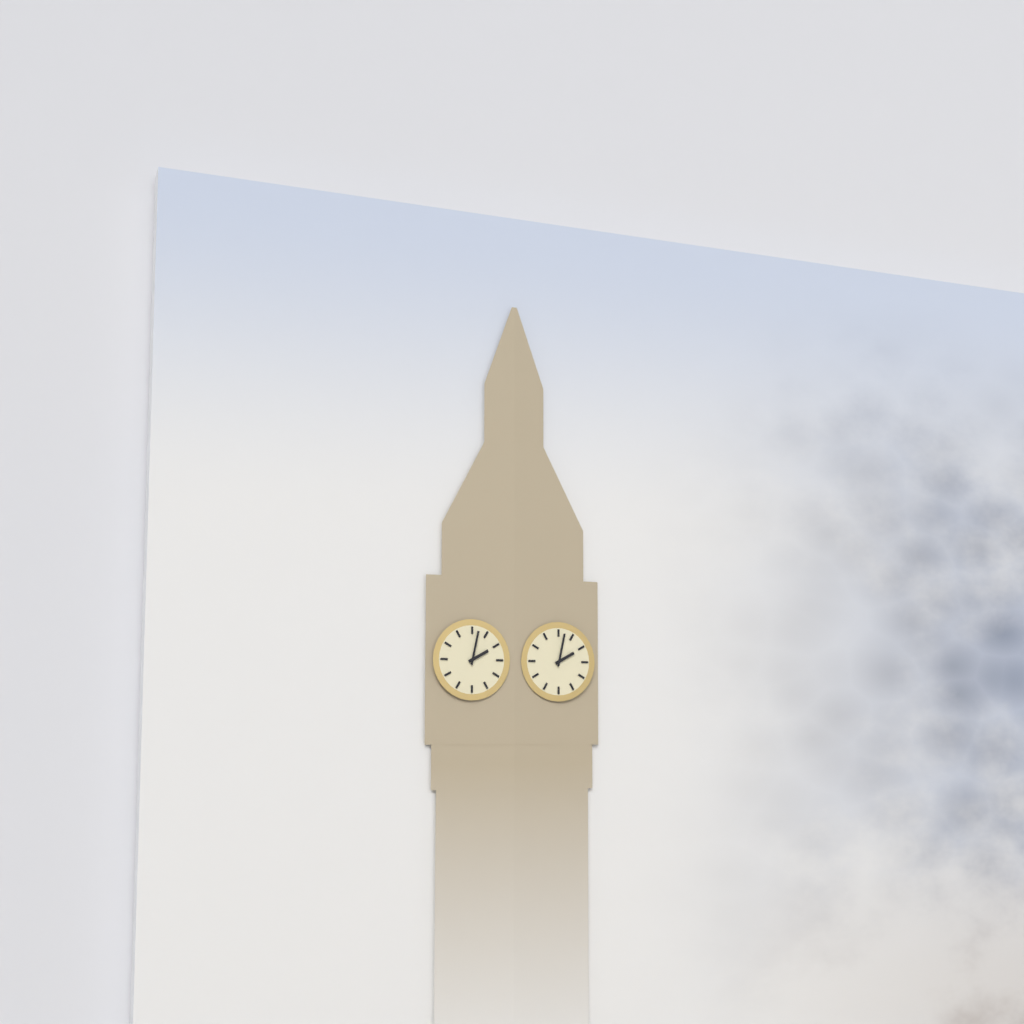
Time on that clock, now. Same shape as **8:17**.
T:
**2:02**
